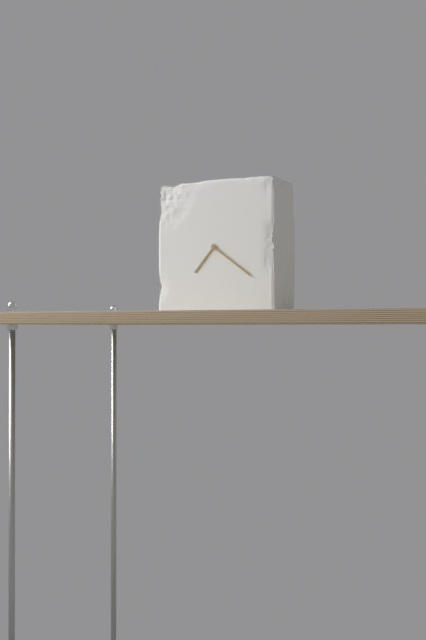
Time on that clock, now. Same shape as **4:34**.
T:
**7:21**
